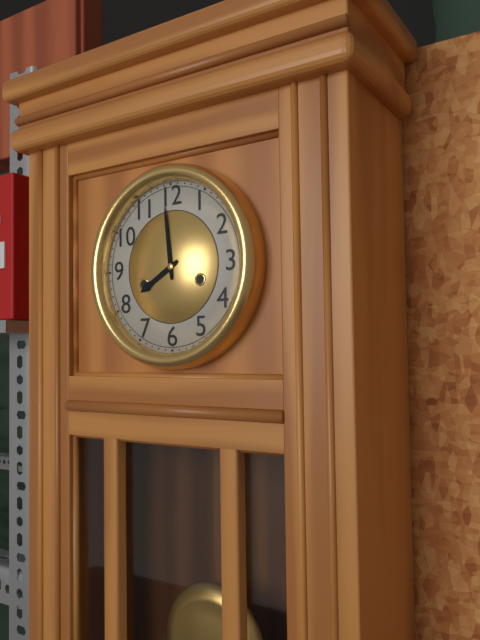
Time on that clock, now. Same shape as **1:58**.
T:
**7:59**
